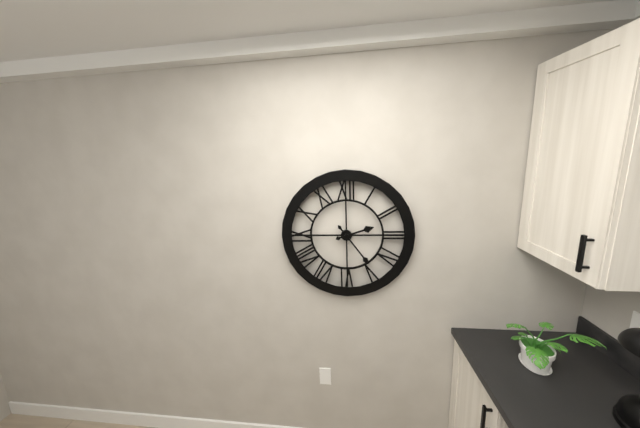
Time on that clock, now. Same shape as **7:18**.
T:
**2:24**
